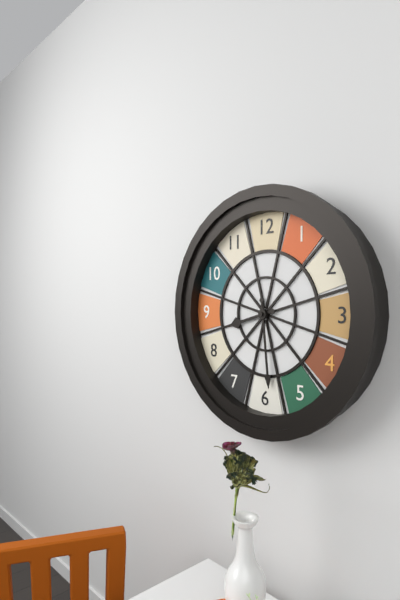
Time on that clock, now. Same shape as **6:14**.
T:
**8:29**
